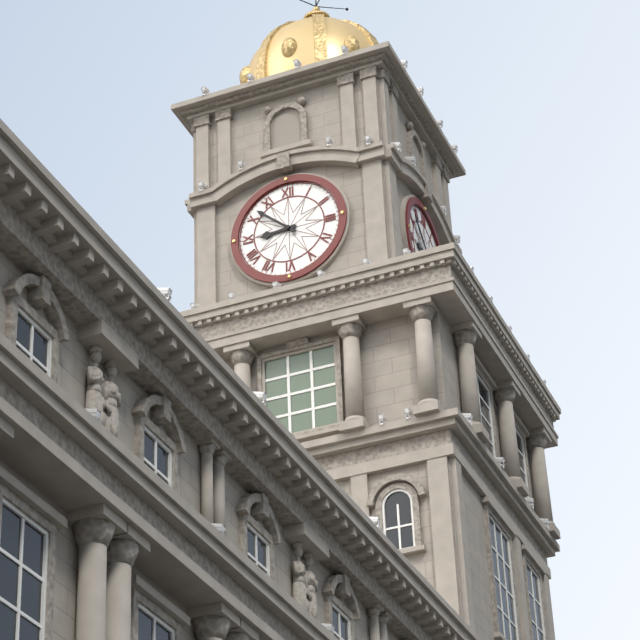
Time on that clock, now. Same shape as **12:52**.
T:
**8:52**
